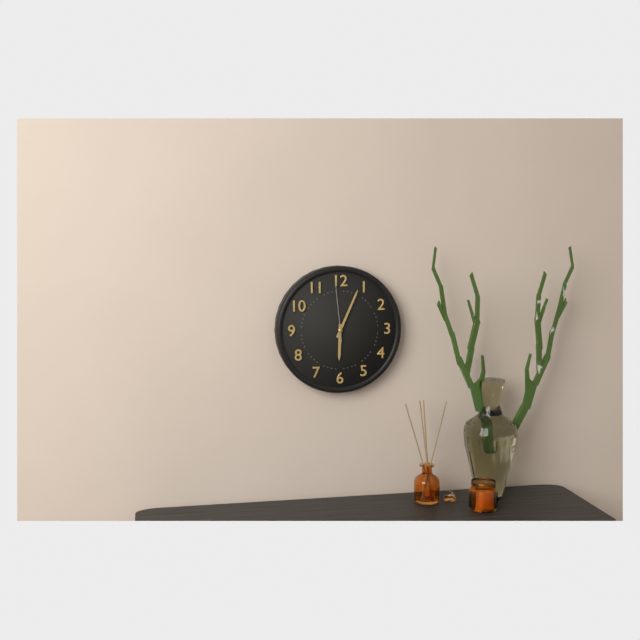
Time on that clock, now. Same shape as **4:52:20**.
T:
**6:04:59**
